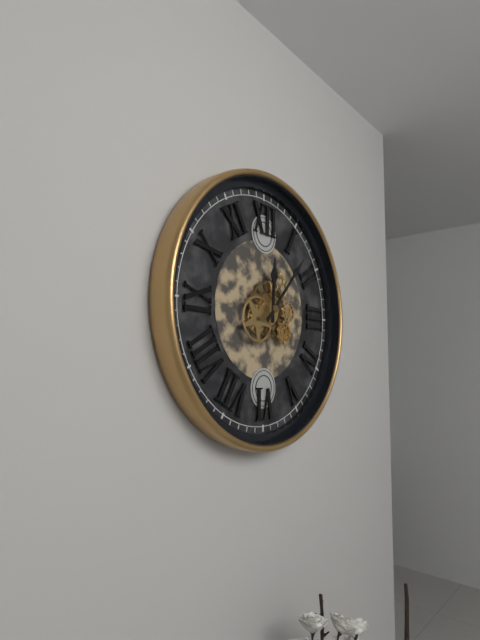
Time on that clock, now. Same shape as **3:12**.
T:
**12:07**
